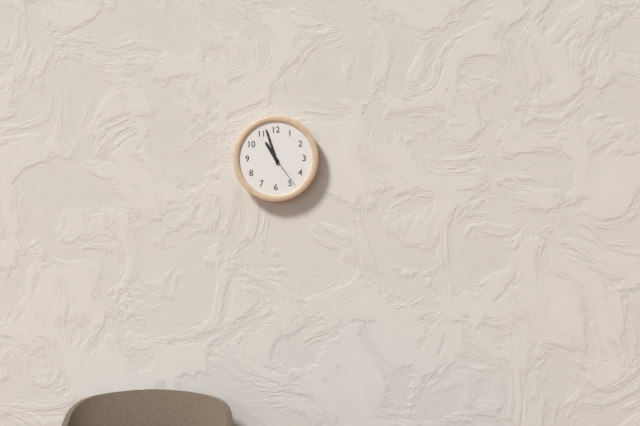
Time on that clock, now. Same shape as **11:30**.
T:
**10:57**
